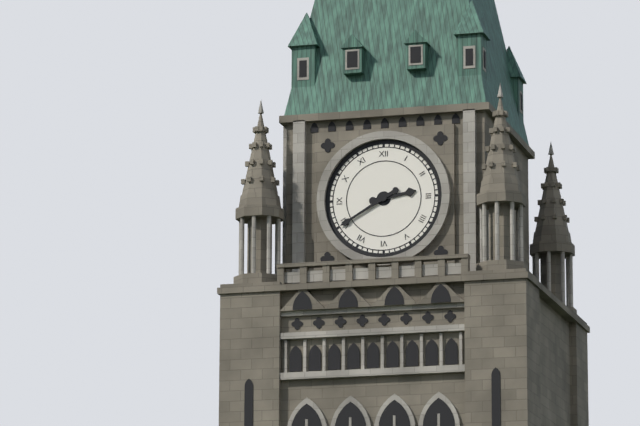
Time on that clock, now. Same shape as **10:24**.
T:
**2:40**
